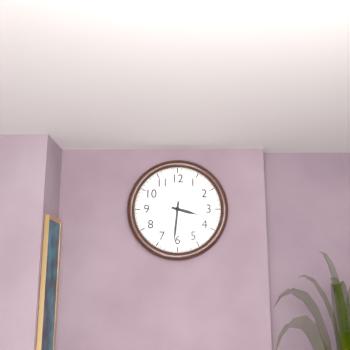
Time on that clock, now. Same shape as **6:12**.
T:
**3:31**
